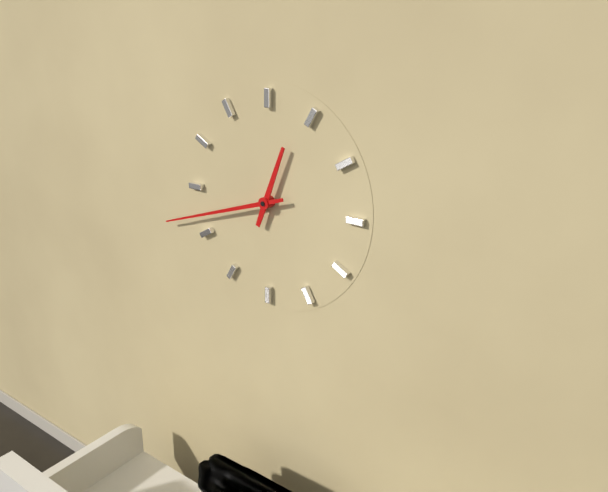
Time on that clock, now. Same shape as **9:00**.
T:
**12:42**
